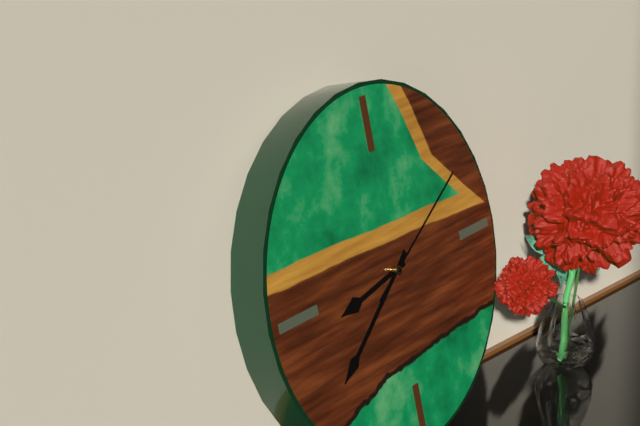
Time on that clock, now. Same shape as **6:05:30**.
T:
**8:39:10**
